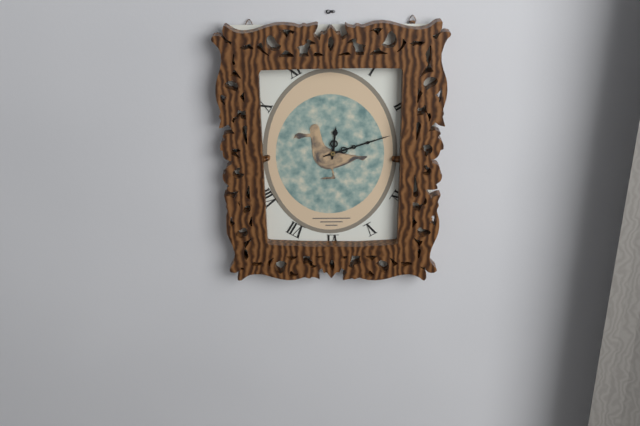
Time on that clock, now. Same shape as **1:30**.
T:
**12:12**
